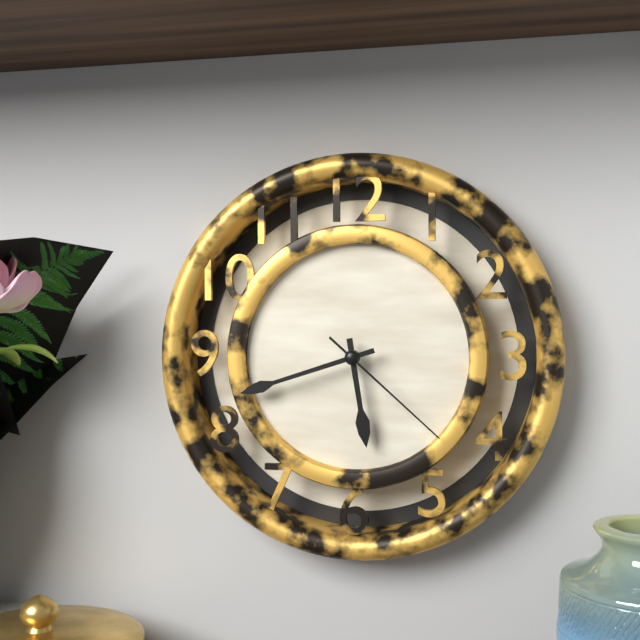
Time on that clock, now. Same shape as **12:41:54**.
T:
**5:42:22**
